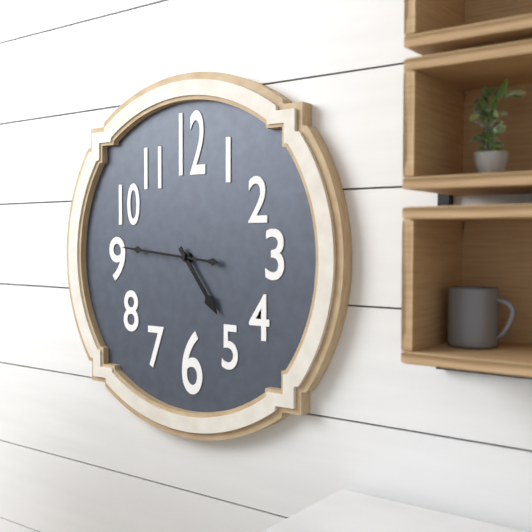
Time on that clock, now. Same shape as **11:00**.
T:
**4:46**
